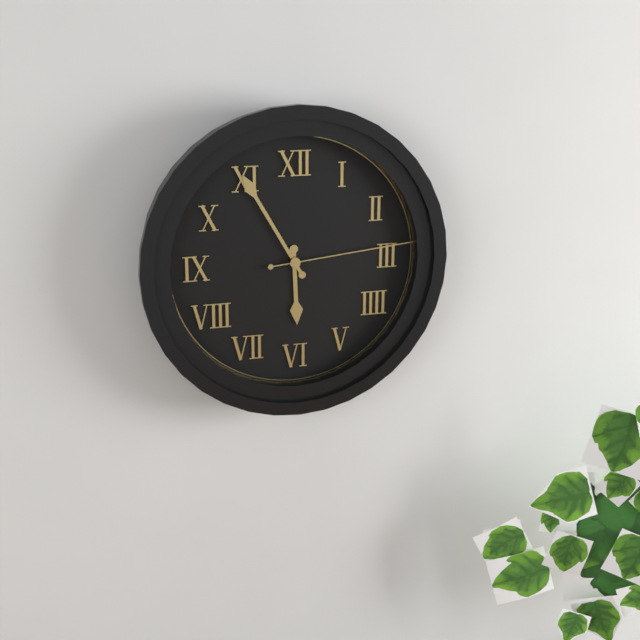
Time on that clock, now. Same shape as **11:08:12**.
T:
**5:55:14**
